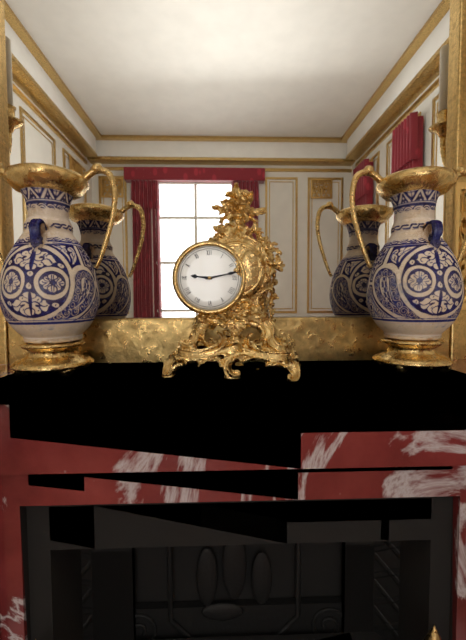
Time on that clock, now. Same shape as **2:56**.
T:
**9:13**
